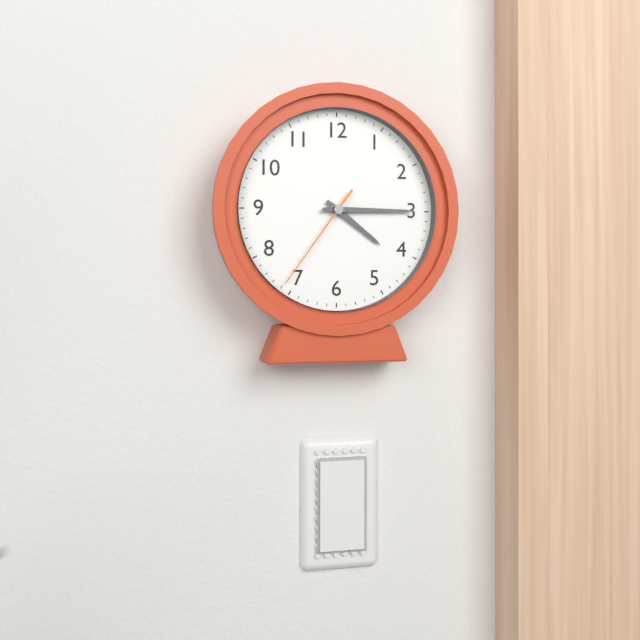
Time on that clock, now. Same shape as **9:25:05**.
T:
**4:15:36**
